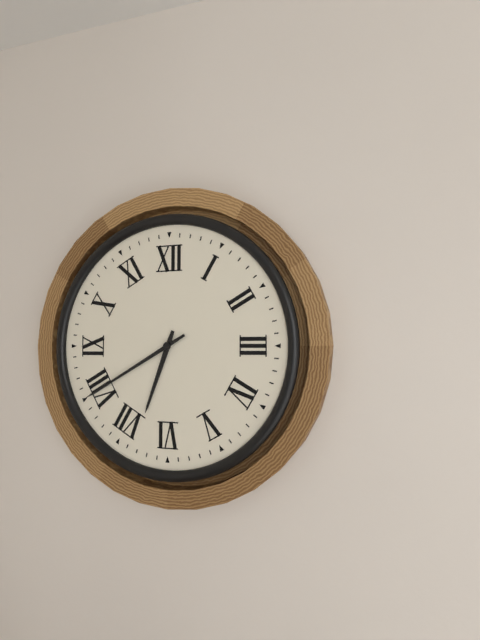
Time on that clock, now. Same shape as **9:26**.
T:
**6:40**
